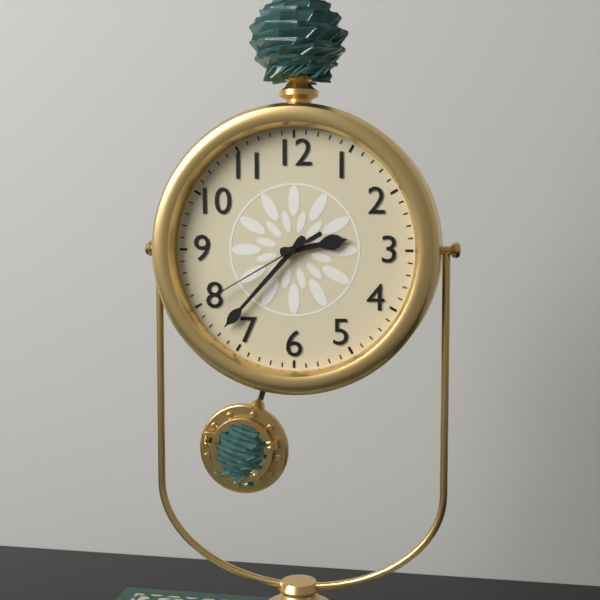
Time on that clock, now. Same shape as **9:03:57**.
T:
**2:37:40**
